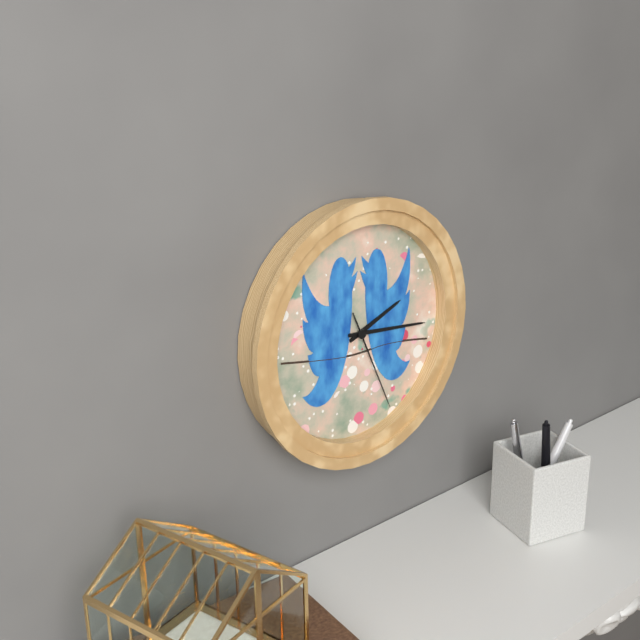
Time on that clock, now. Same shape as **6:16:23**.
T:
**2:16:26**
